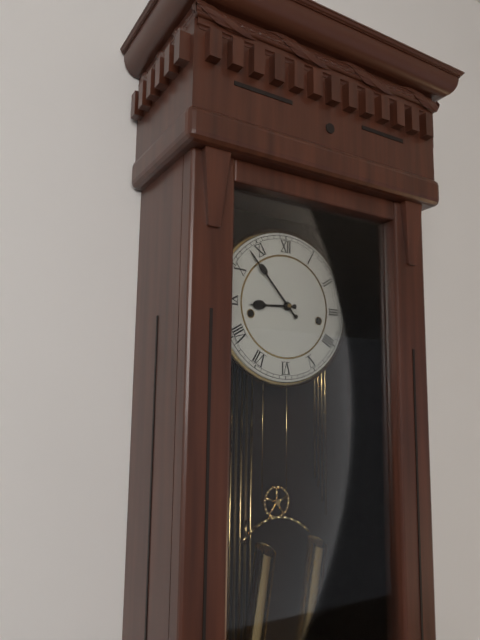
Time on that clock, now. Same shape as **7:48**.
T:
**8:53**
